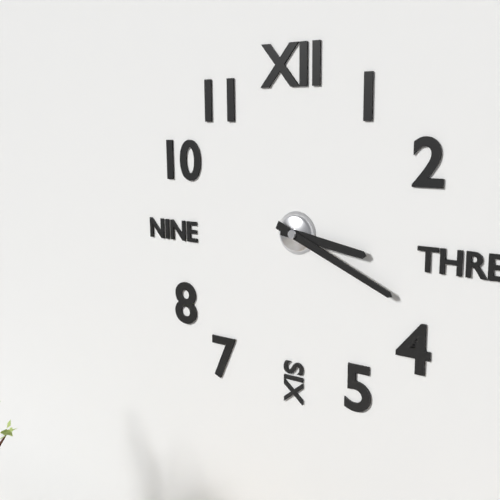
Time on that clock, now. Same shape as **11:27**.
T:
**3:19**
